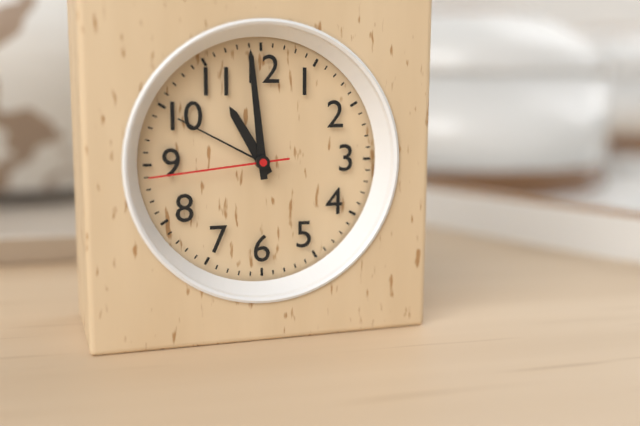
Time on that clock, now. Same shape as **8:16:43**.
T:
**10:59:44**
